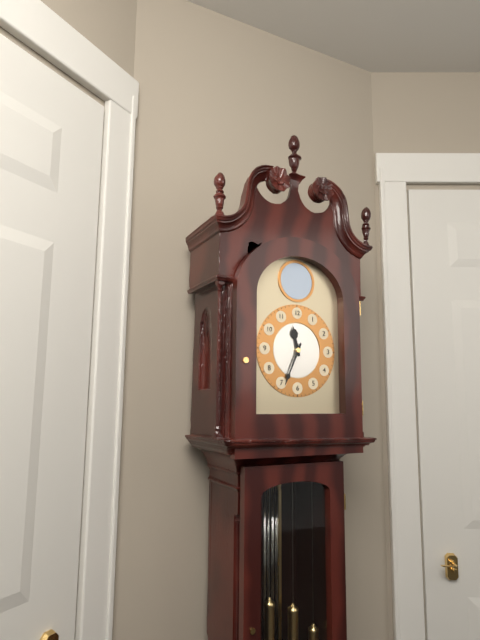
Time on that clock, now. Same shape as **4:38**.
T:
**11:34**
